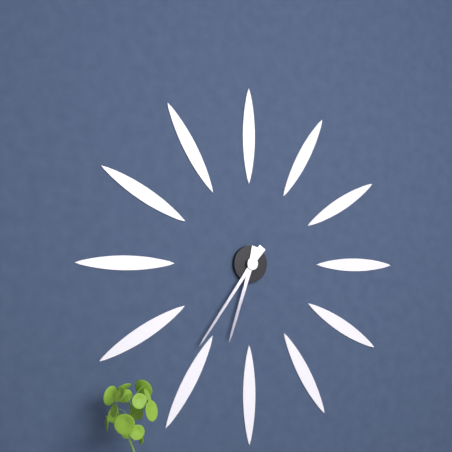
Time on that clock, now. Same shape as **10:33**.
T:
**6:36**
